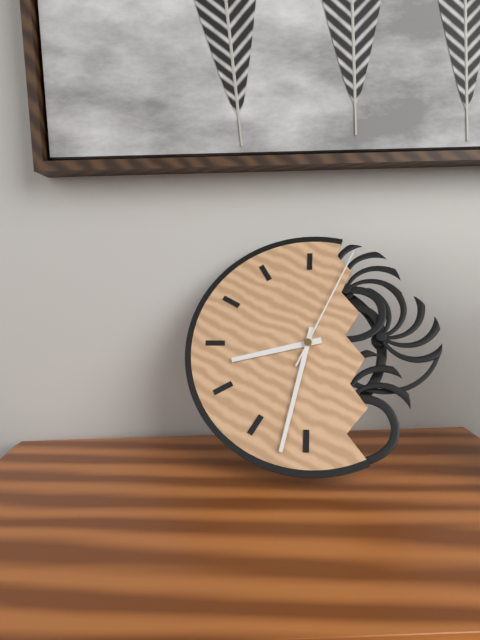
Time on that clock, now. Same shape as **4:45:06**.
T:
**8:32:04**
